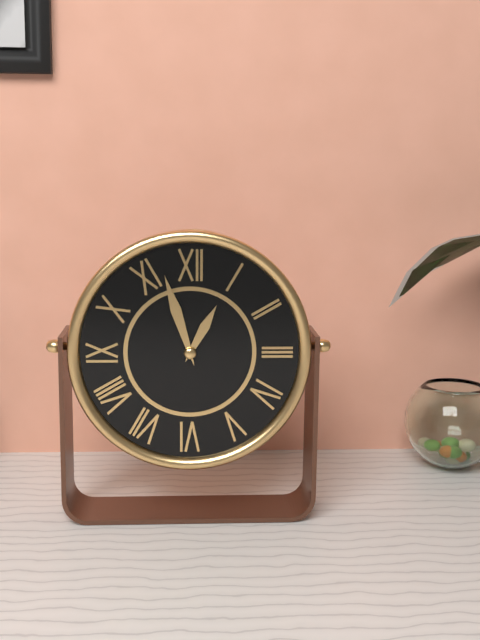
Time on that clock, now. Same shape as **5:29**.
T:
**12:57**
